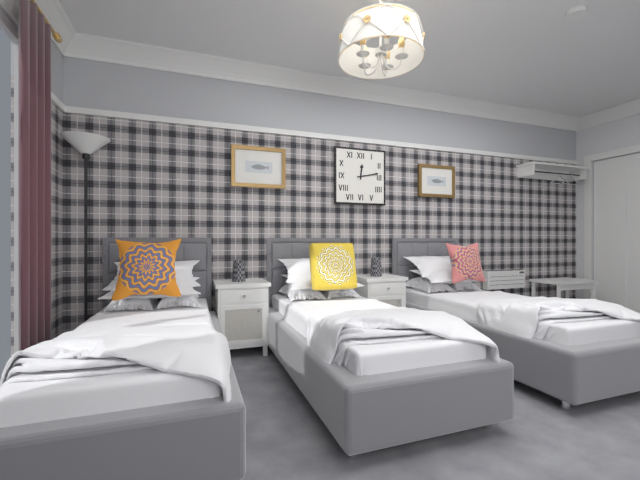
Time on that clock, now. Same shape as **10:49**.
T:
**12:13**
